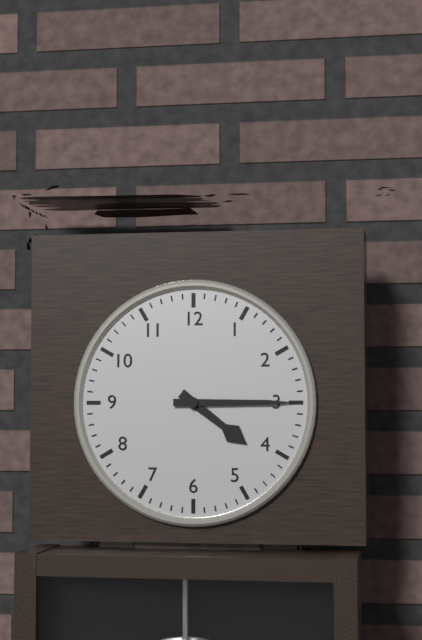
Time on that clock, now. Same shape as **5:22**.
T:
**4:15**
